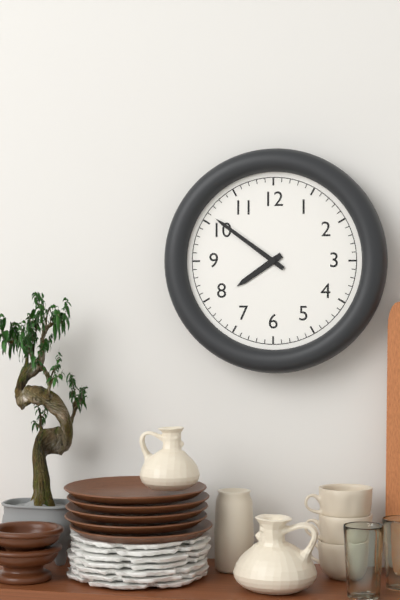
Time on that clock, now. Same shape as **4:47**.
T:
**7:51**
